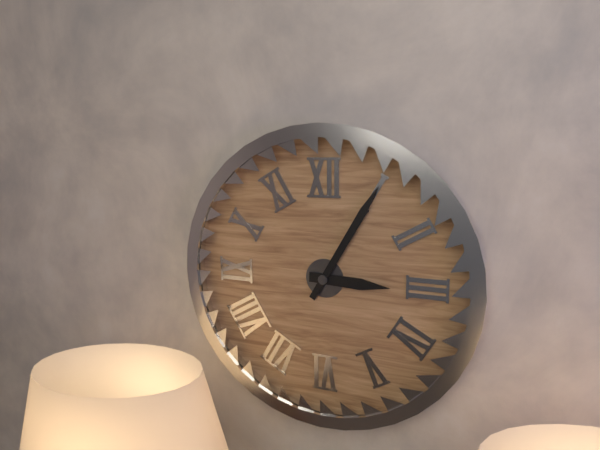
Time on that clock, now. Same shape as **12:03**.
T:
**3:05**
